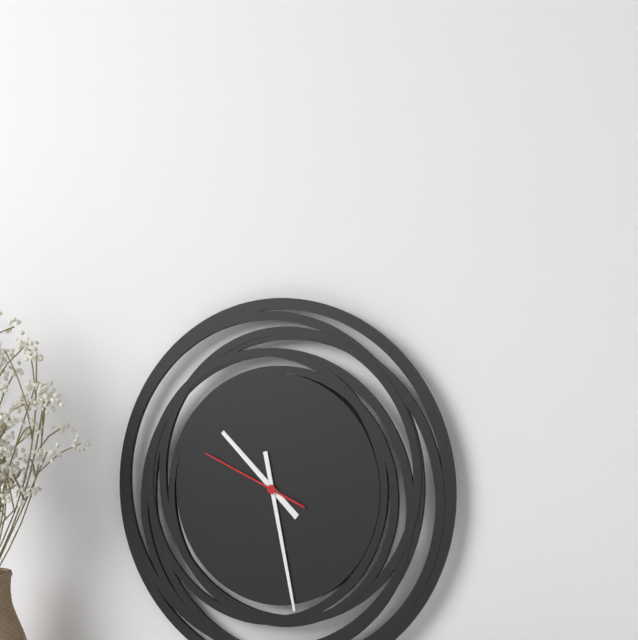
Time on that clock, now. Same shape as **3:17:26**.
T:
**10:28:49**
